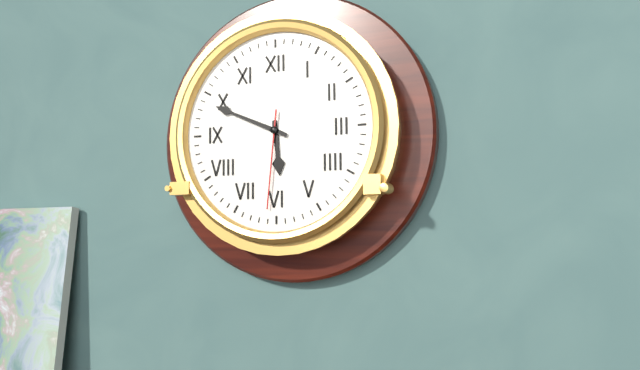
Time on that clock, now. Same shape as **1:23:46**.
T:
**5:49:31**
